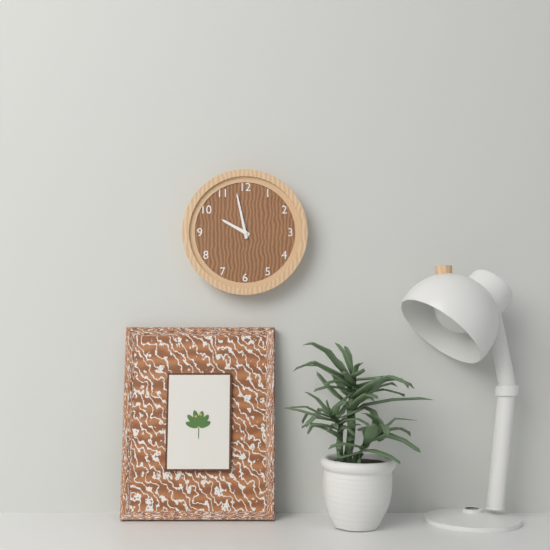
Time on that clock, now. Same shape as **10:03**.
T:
**9:58**
